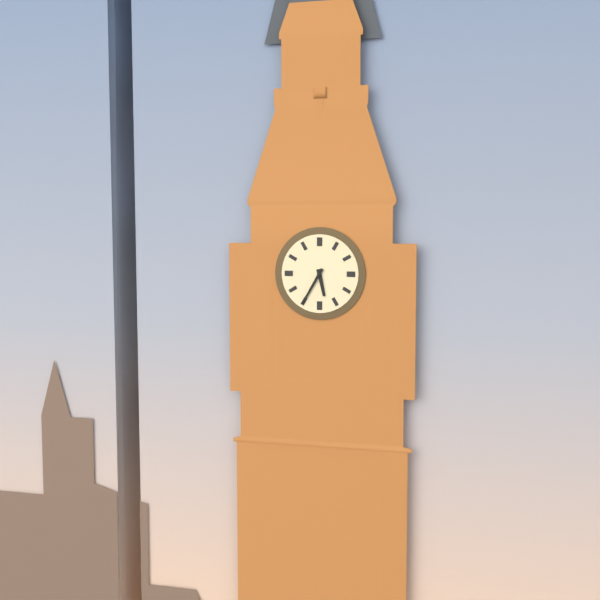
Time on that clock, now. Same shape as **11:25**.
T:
**5:35**
